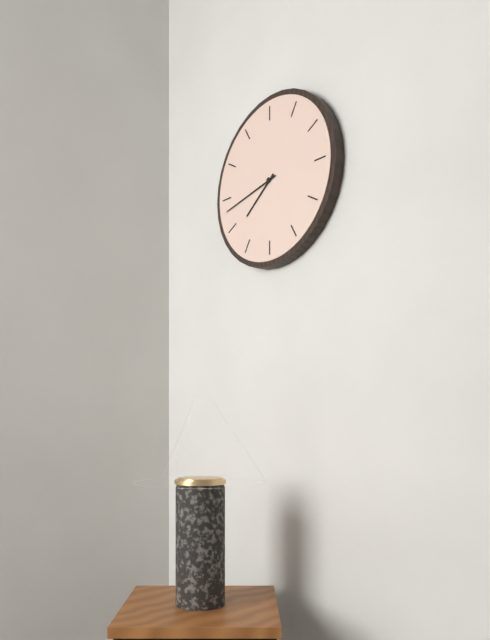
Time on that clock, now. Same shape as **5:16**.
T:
**7:43**
